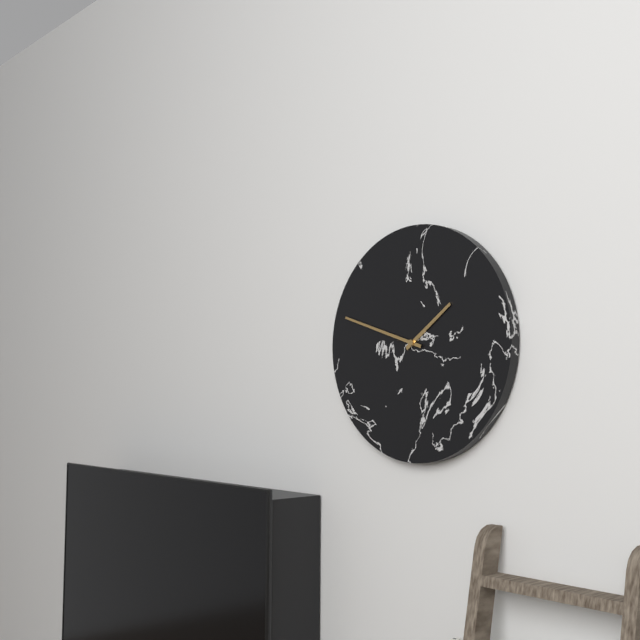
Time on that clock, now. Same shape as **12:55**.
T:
**1:48**
